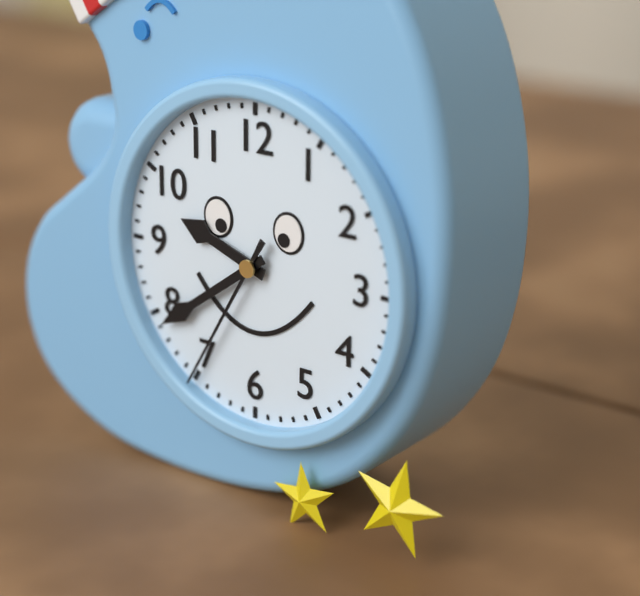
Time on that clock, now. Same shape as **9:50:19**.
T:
**9:39:35**
